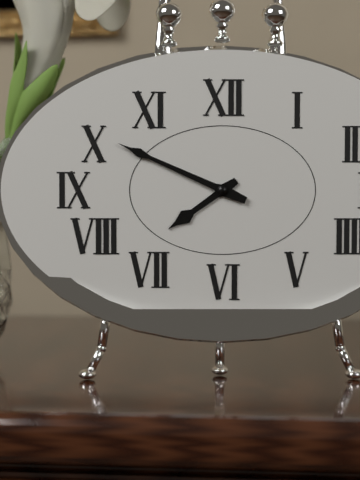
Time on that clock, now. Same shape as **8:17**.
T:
**7:49**
